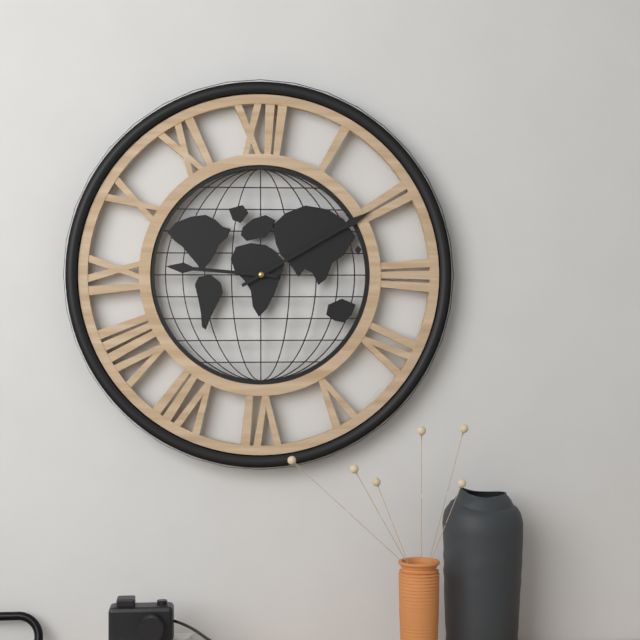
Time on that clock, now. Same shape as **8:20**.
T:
**9:10**
